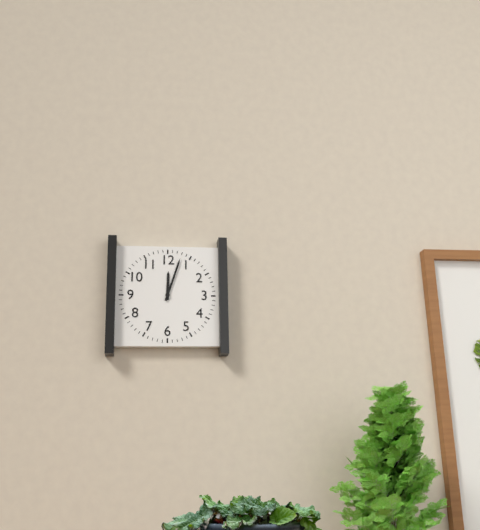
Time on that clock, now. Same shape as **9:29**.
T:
**12:03**
